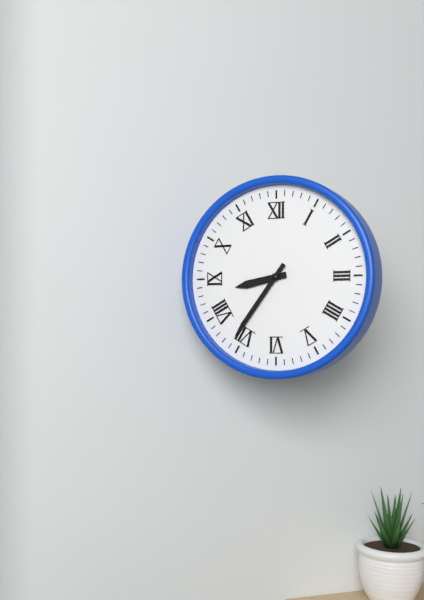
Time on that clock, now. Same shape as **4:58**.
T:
**8:36**
